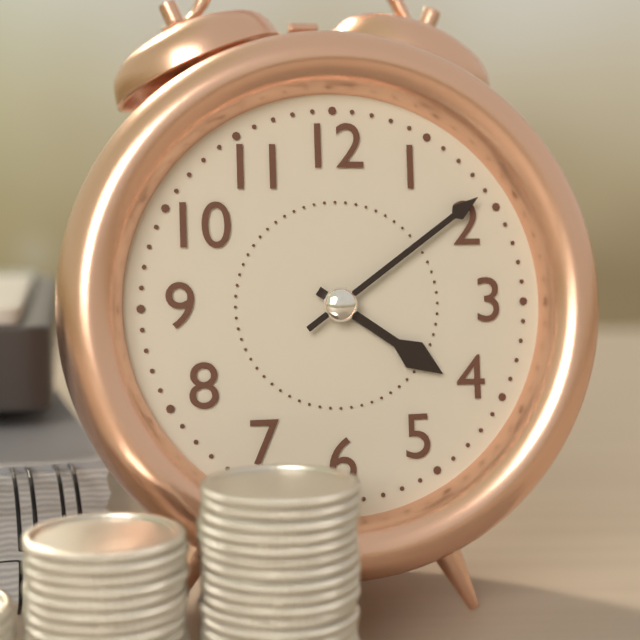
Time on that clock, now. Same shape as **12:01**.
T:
**4:09**
